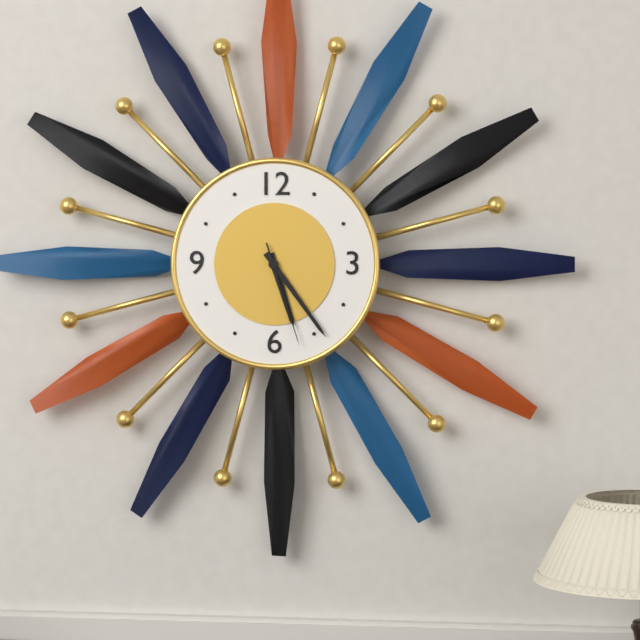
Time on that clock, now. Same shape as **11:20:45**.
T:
**5:24:27**
